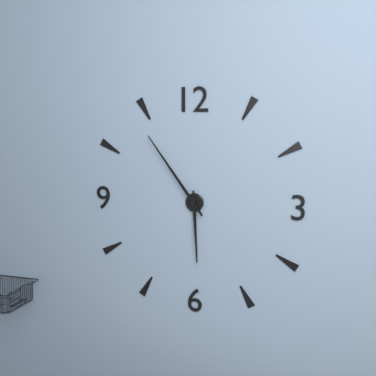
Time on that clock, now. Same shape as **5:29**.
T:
**5:54**
